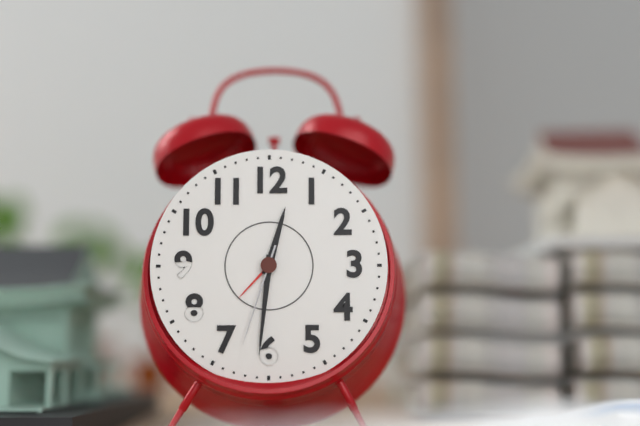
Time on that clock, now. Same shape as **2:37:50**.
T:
**12:31:33**
